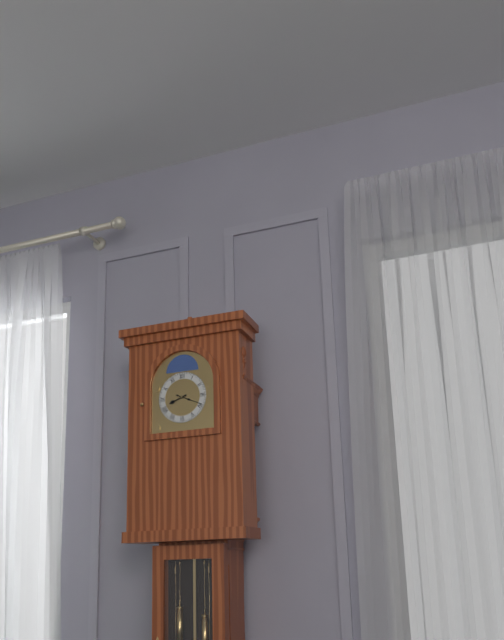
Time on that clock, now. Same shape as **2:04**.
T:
**8:19**
